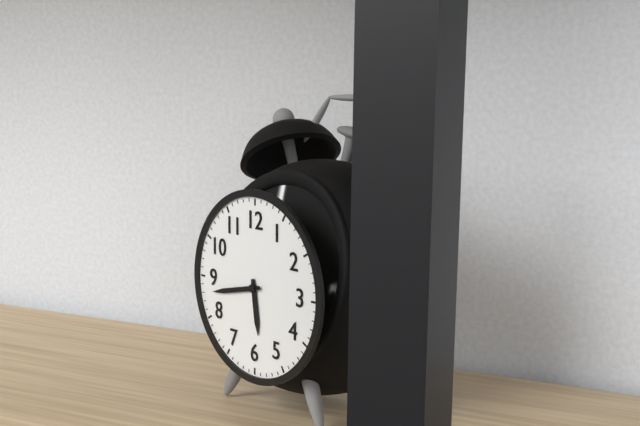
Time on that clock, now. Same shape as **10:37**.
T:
**5:43**
